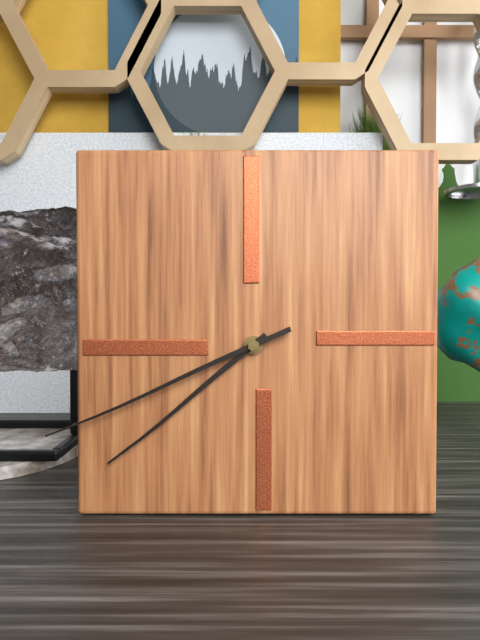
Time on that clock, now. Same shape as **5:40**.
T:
**7:41**
